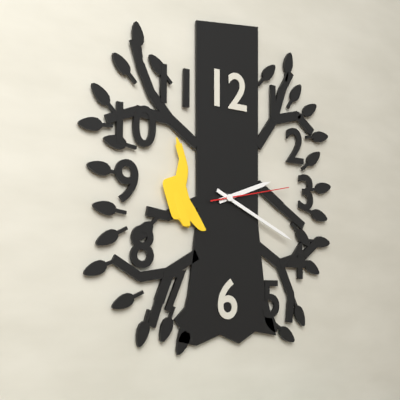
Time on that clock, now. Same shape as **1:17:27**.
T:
**2:19:13**
